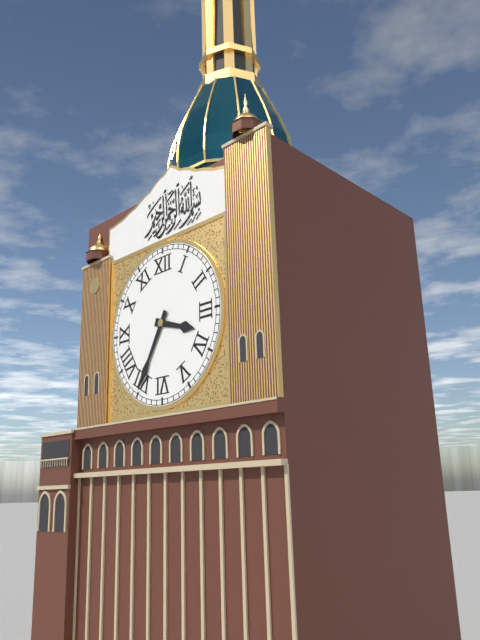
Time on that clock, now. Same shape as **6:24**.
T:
**3:35**
